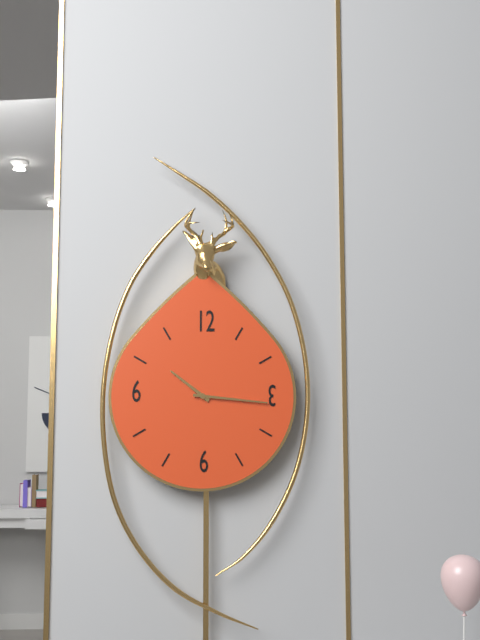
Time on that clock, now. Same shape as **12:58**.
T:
**10:16**
